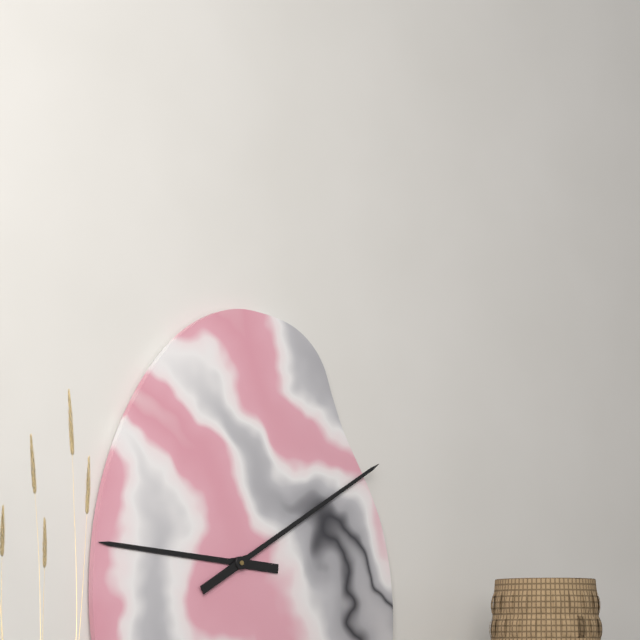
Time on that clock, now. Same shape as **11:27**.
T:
**9:10**
